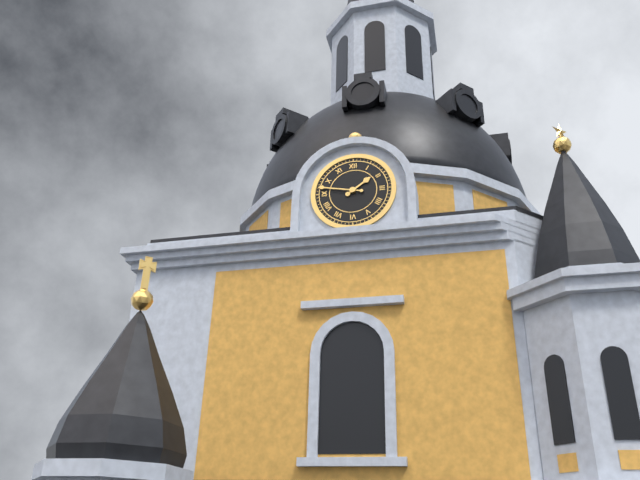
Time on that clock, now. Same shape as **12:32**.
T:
**1:47**
